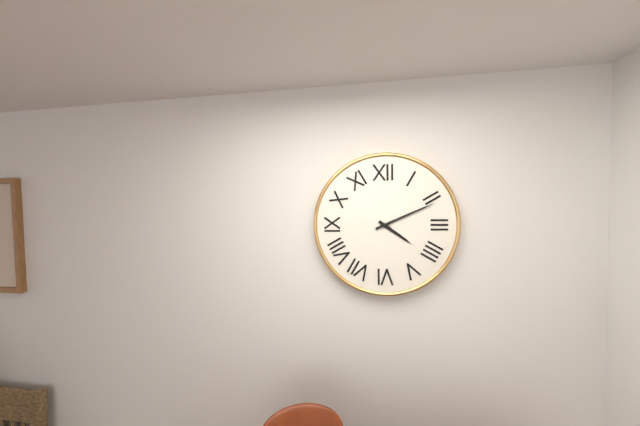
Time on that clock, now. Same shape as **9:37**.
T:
**4:11**
